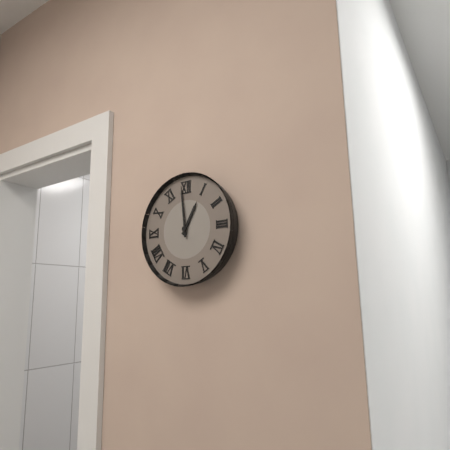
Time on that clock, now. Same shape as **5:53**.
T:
**12:59**
